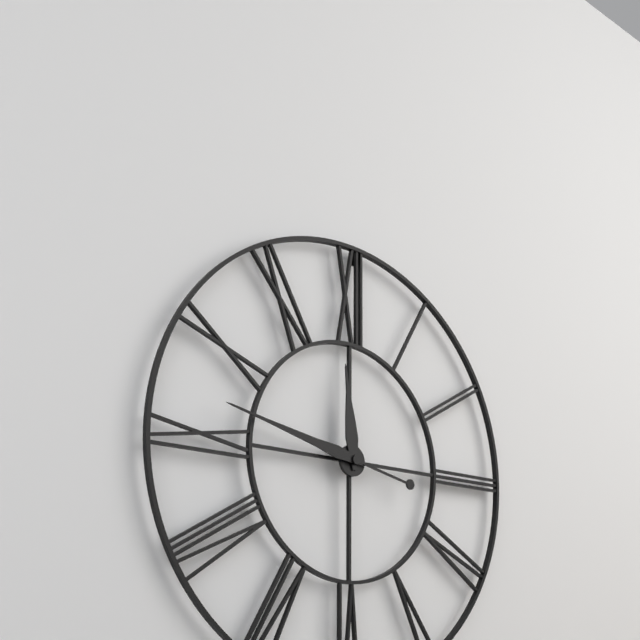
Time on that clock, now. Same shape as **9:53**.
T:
**11:47**
